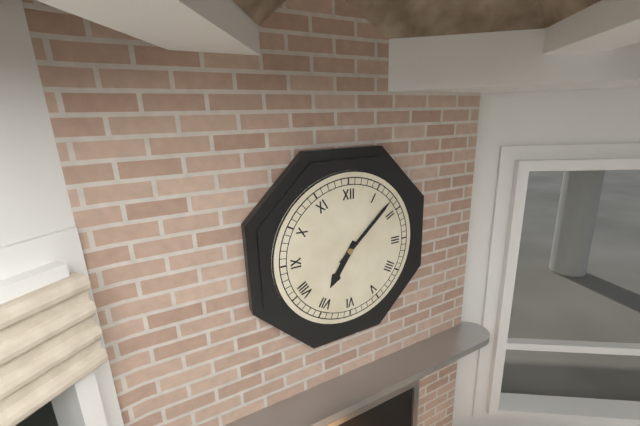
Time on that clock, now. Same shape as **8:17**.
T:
**7:08**
